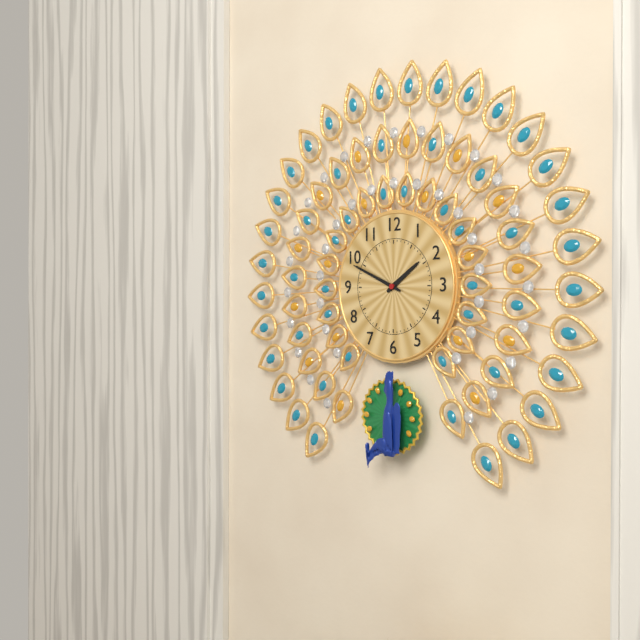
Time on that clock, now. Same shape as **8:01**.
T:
**1:49**
